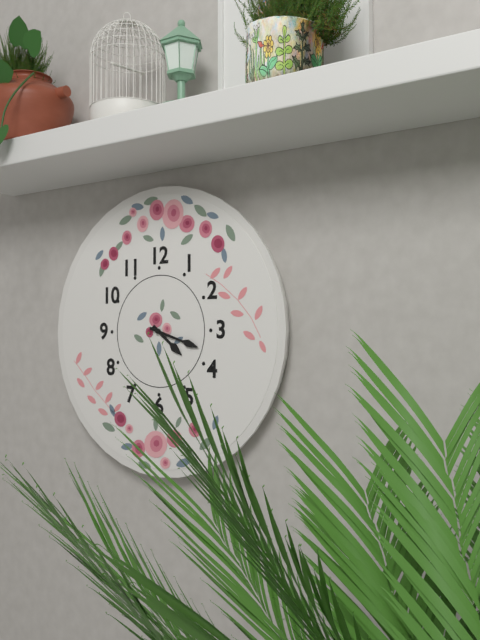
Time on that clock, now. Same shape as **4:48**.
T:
**4:18**
